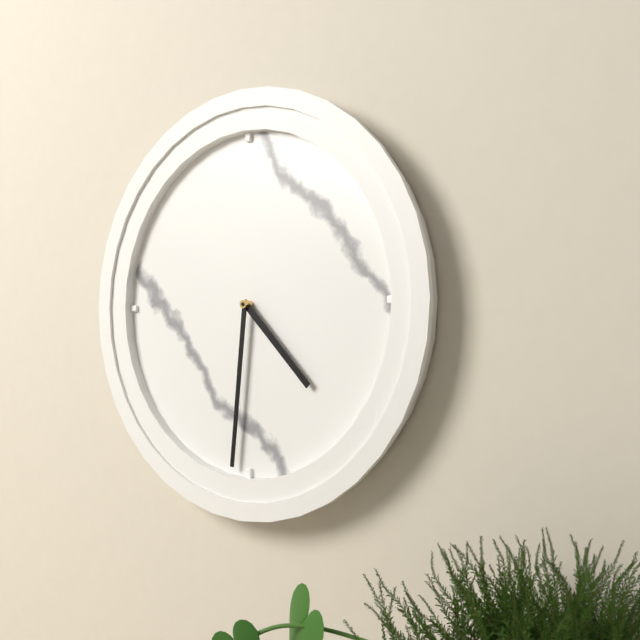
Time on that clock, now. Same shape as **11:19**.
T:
**4:31**
